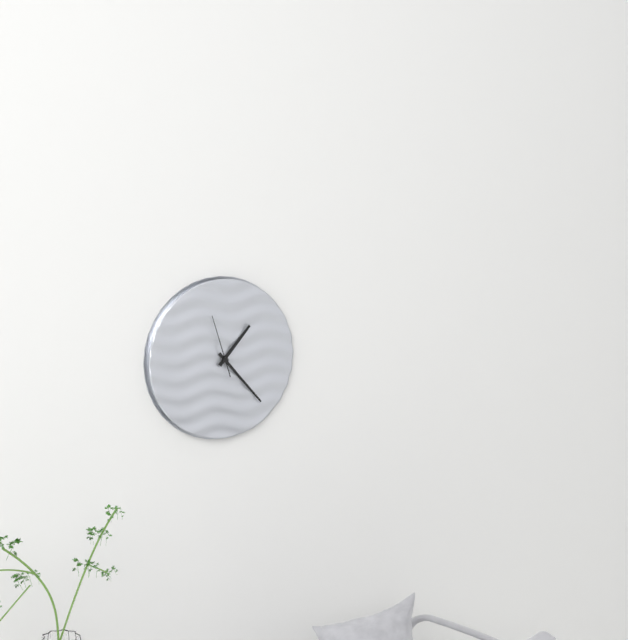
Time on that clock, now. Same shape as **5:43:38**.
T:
**1:23:57**
